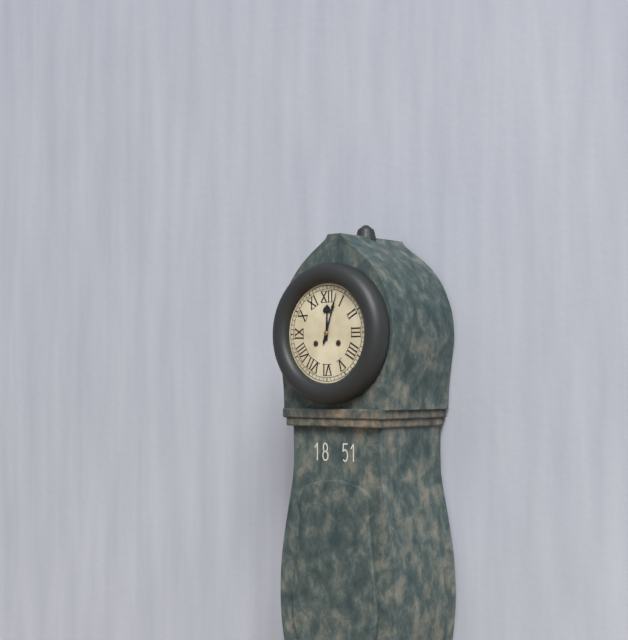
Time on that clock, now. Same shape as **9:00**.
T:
**12:03**
